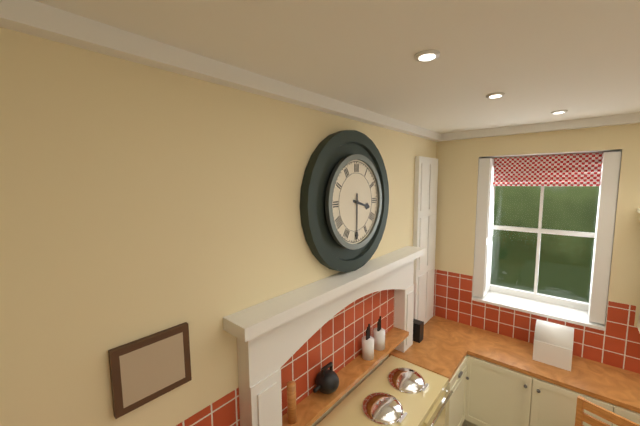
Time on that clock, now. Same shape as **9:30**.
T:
**3:30**
